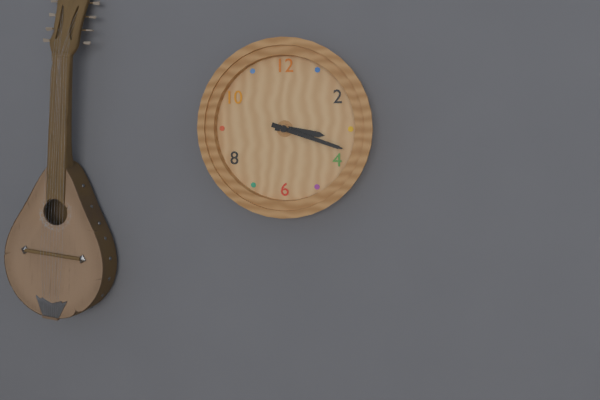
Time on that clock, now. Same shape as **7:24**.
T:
**3:18**
